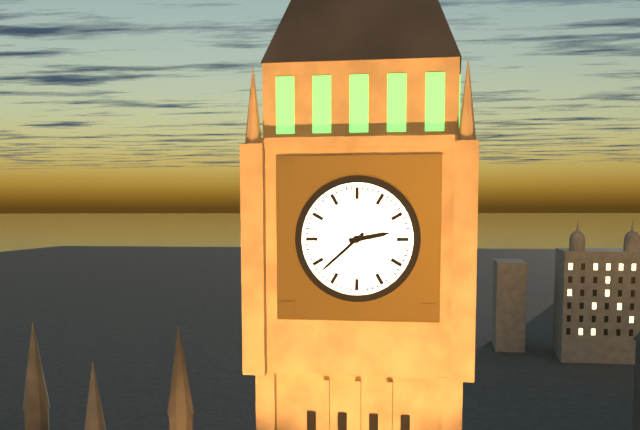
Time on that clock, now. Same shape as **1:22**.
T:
**2:38**
